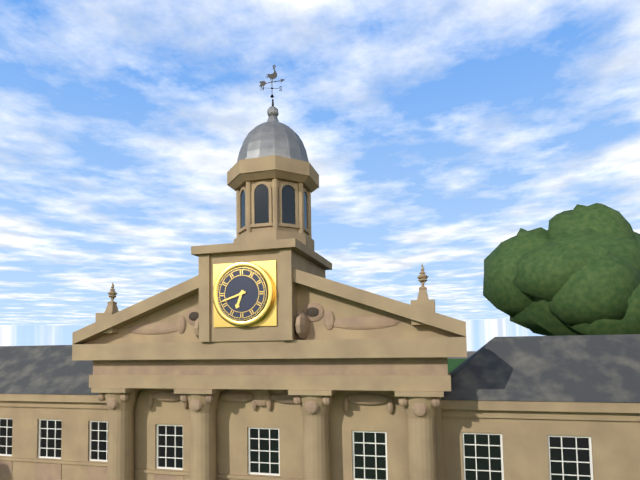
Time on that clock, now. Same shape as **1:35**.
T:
**6:42**
